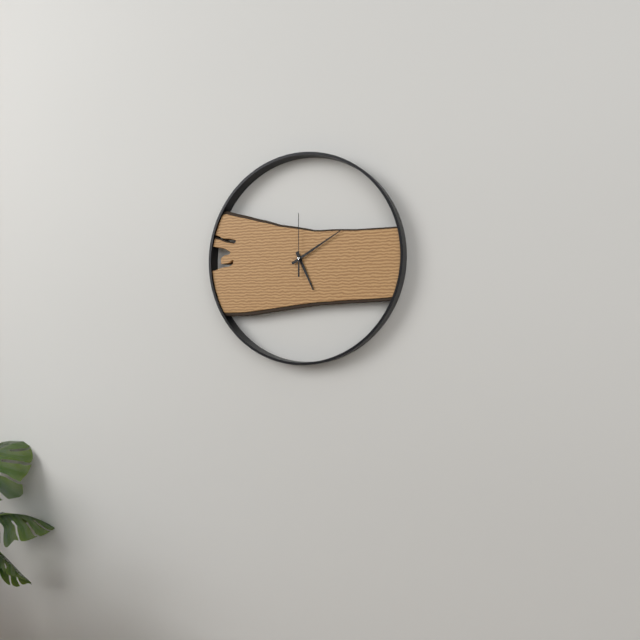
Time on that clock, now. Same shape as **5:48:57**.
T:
**5:10:00**
